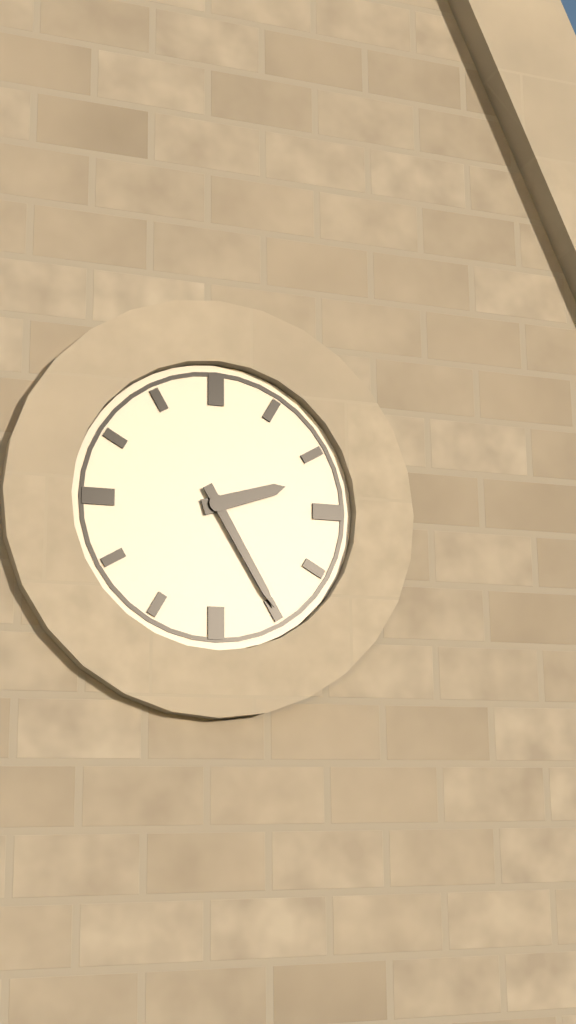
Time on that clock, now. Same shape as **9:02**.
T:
**2:25**
